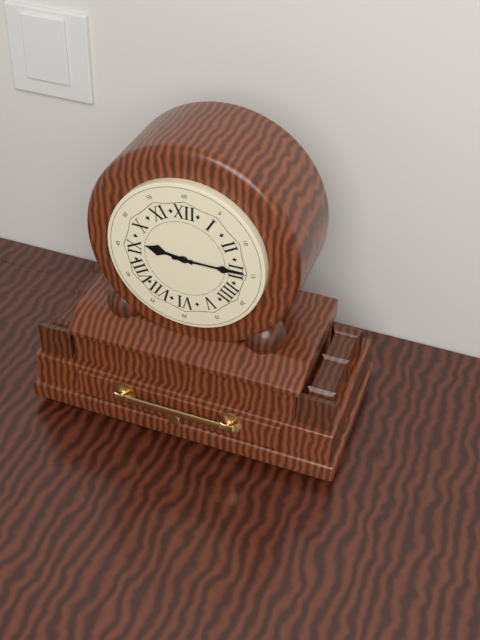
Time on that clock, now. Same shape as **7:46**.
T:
**9:15**
